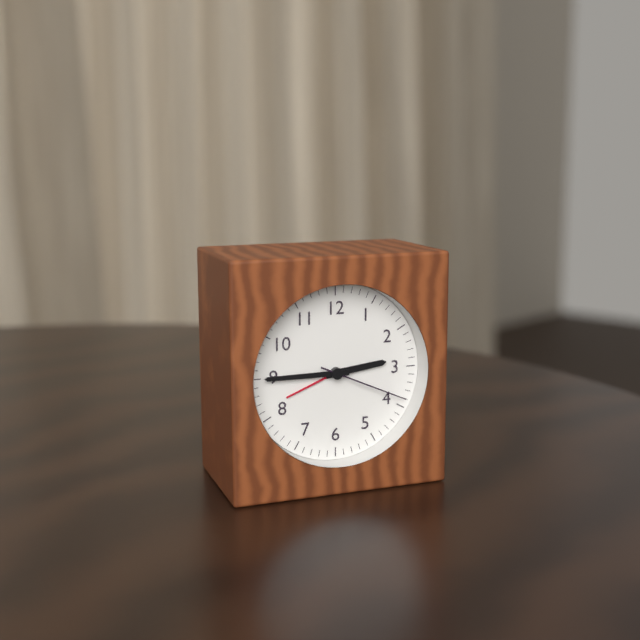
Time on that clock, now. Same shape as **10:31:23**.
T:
**2:45:19**
